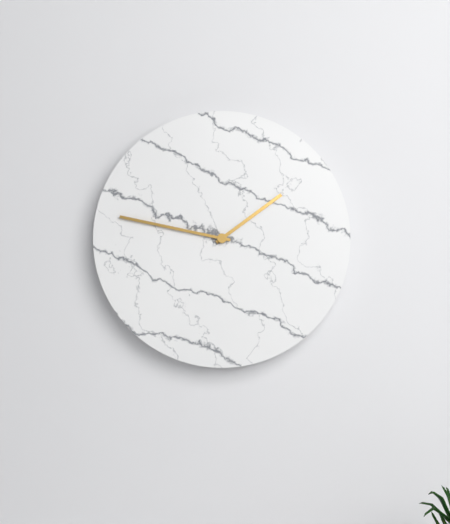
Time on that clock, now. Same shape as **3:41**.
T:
**1:47**
